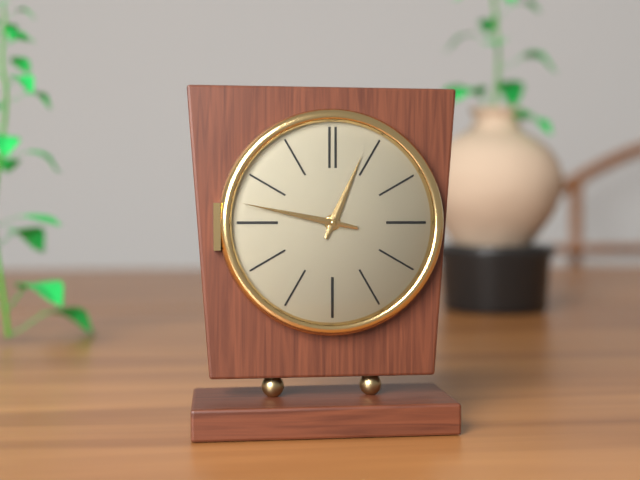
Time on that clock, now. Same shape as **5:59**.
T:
**12:47**
